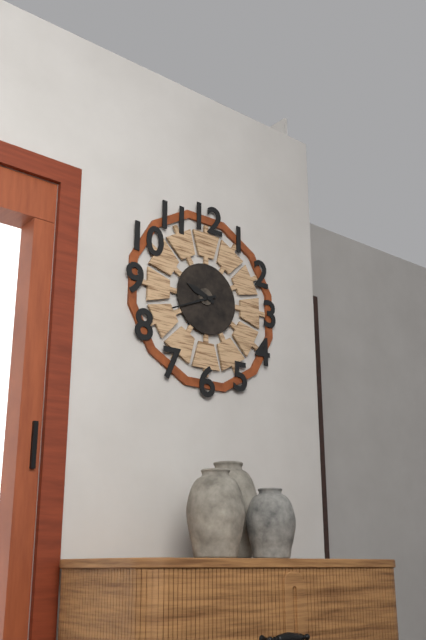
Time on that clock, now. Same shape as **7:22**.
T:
**9:41**
